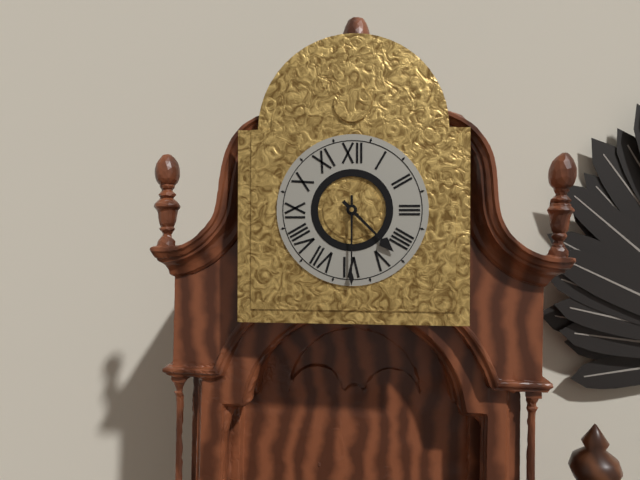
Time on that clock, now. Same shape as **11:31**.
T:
**4:30**
